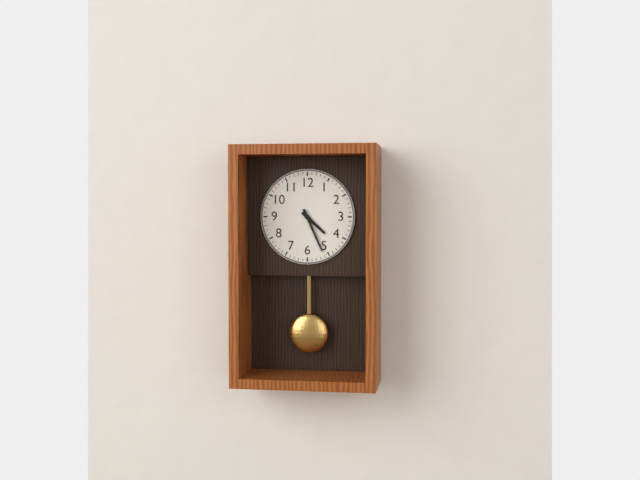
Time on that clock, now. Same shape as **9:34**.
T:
**4:26**
